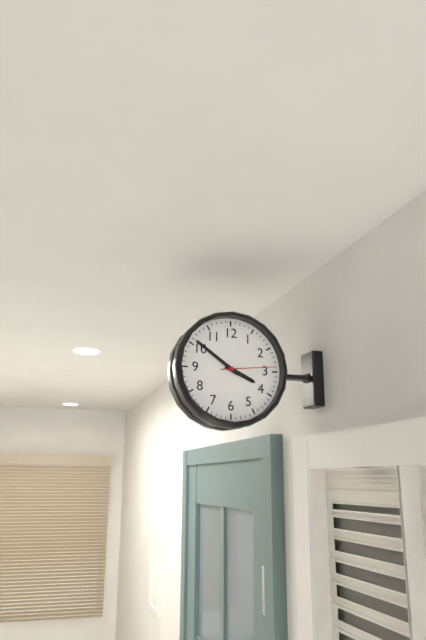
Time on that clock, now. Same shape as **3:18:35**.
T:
**3:51:14**
